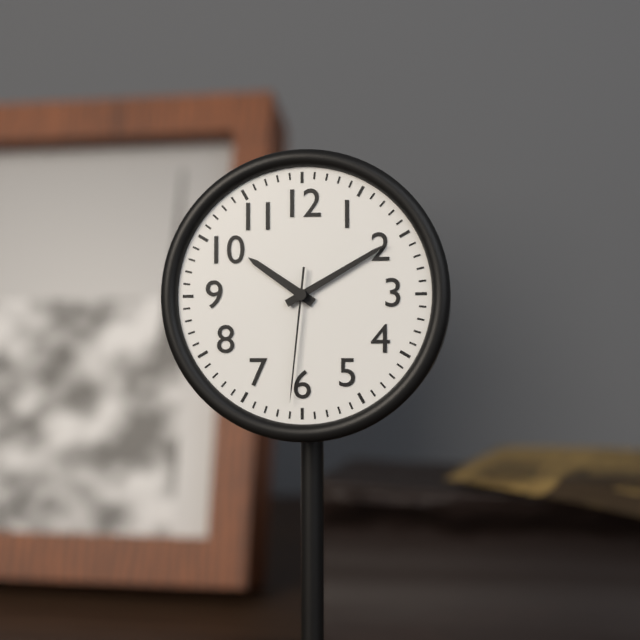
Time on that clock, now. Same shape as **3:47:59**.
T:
**10:10:31**
